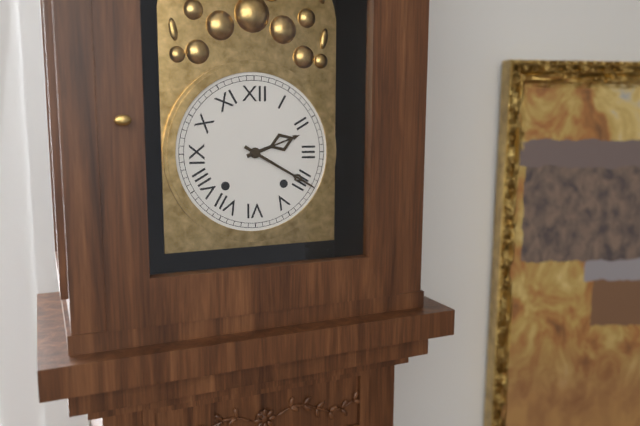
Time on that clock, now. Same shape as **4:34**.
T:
**2:20**
